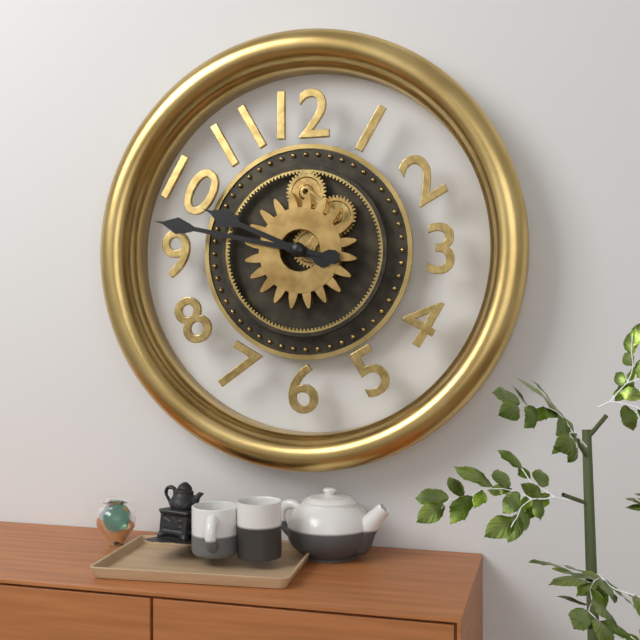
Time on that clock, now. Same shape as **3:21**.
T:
**9:47**
